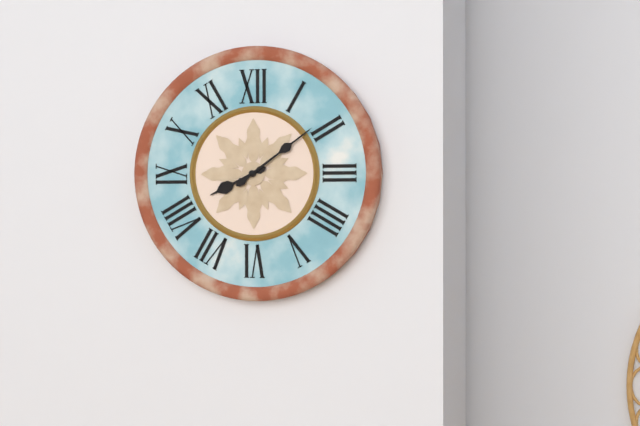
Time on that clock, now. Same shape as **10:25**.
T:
**8:09**
